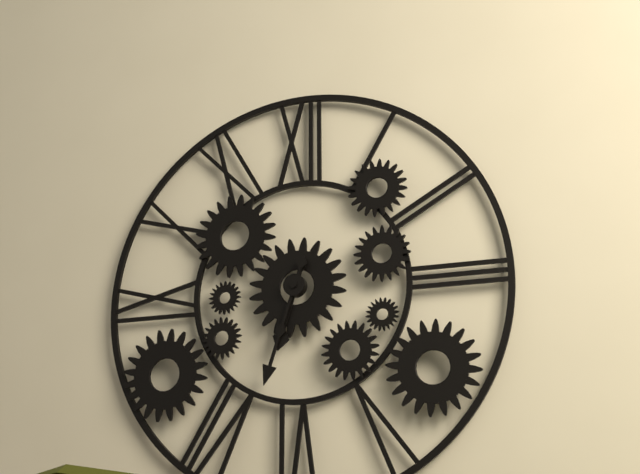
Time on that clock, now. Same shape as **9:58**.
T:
**6:33**
